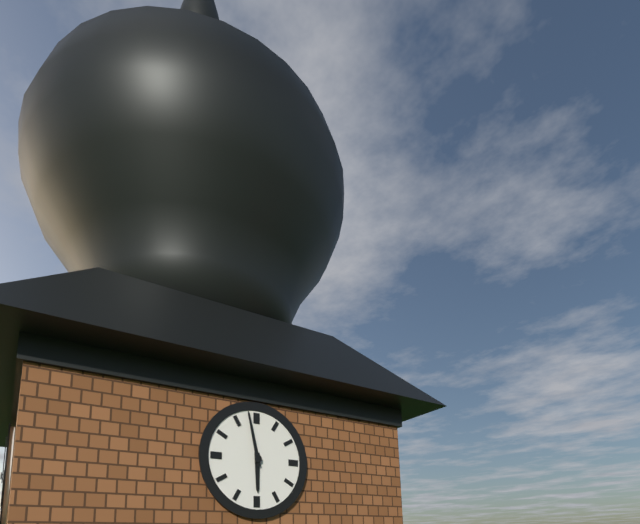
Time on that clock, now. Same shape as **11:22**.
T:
**5:58**
